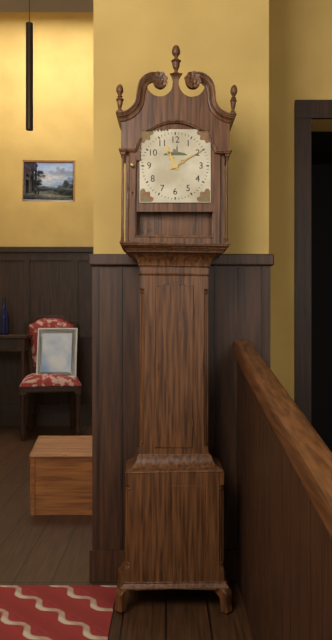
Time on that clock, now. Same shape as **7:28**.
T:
**11:10**
